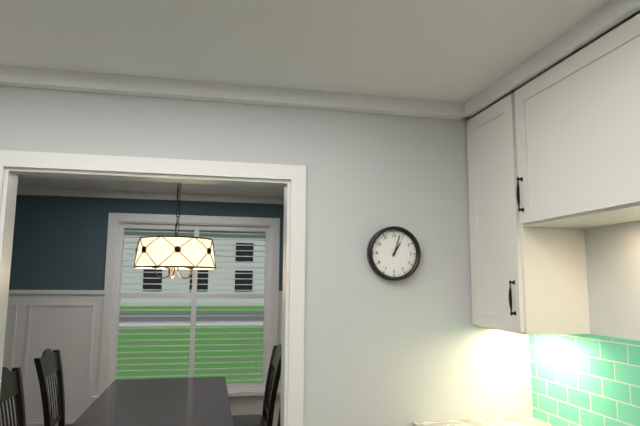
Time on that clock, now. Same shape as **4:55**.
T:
**1:03**
